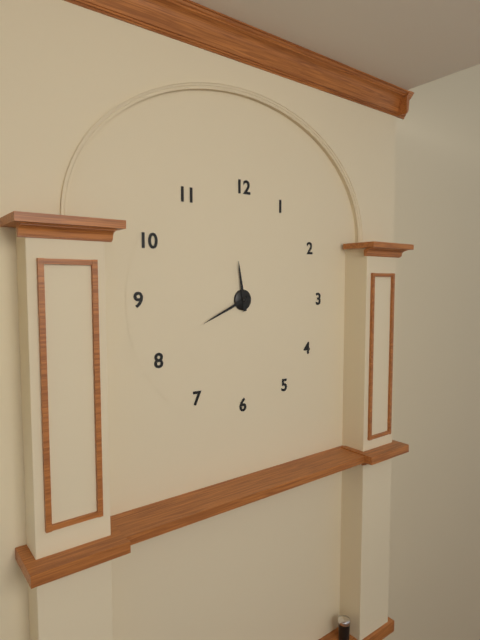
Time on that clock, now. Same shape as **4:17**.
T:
**11:41**
